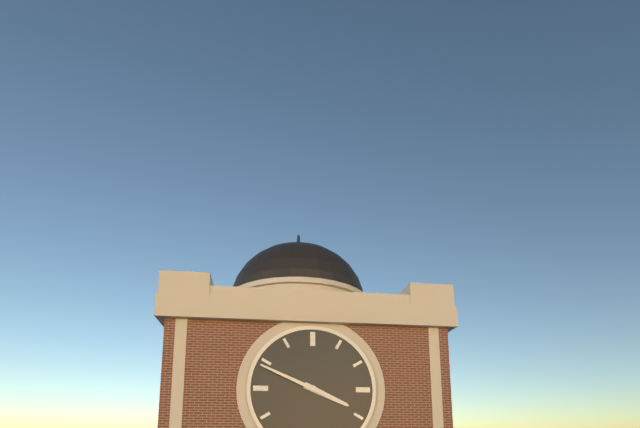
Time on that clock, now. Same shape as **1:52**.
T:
**3:49**
